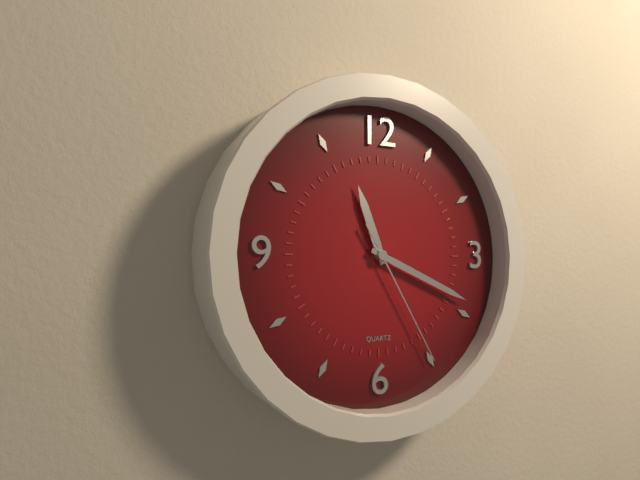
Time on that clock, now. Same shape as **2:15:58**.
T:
**11:19:25**
